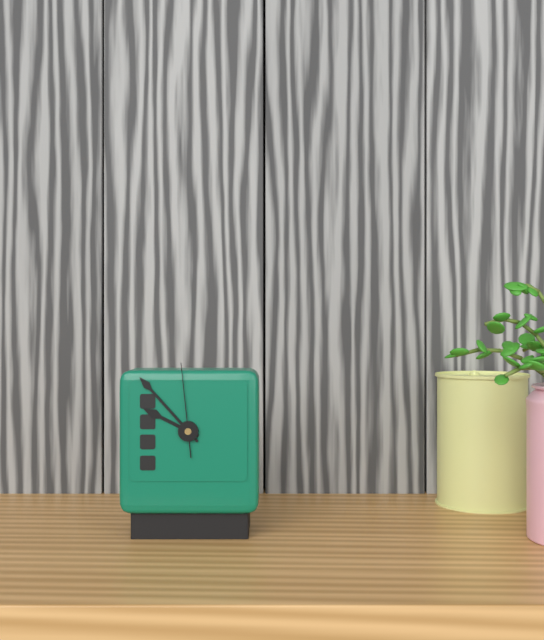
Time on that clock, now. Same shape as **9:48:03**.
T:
**9:53:59**
